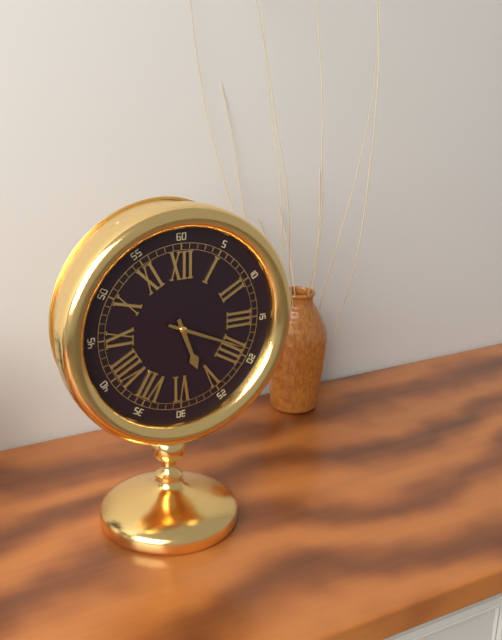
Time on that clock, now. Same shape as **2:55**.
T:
**5:19**
